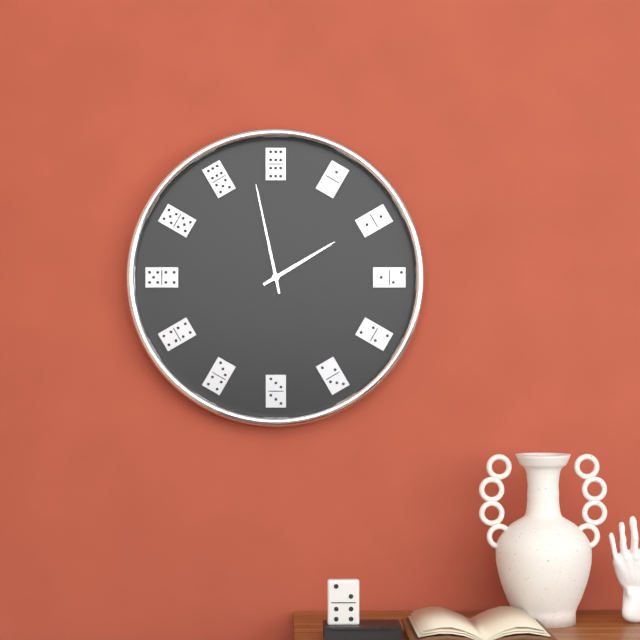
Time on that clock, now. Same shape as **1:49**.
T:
**1:58**
